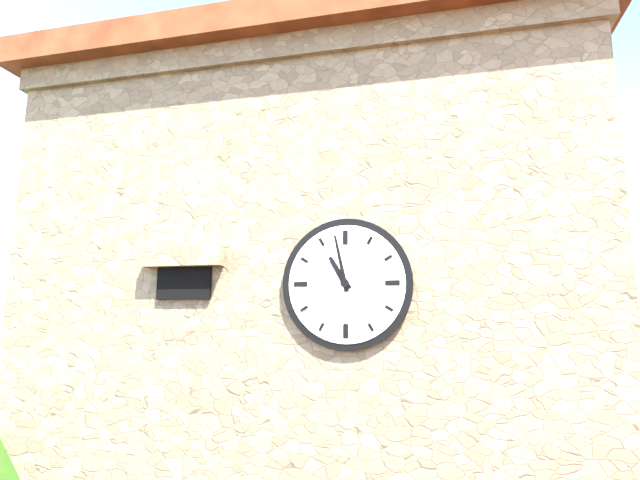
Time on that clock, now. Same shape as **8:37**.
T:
**10:58**
